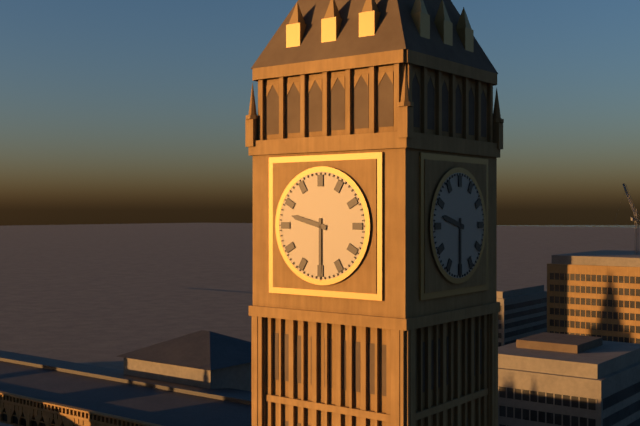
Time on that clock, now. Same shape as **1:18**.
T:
**9:30**
